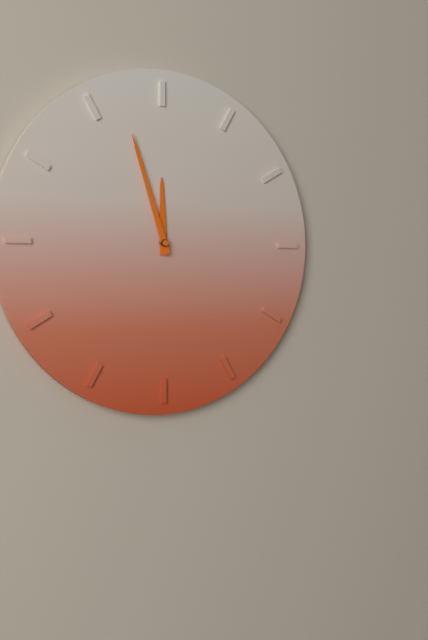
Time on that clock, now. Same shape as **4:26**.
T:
**11:57**
